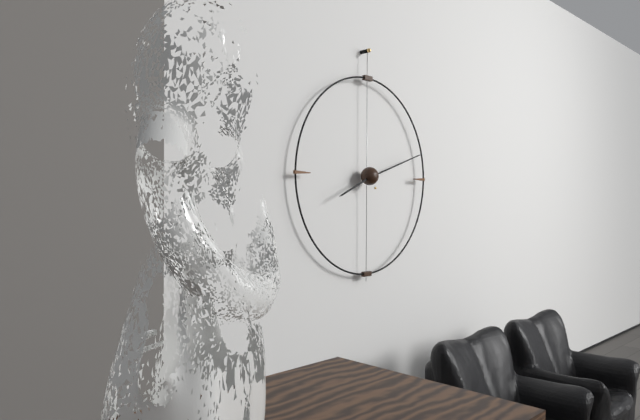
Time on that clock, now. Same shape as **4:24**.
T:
**8:12**
